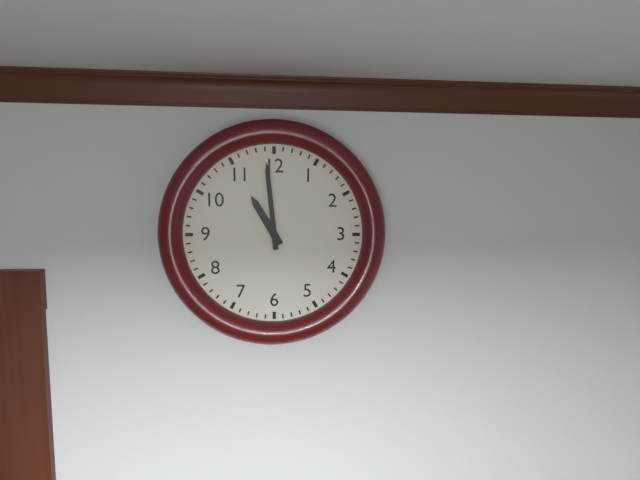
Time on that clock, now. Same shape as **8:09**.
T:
**10:59**
